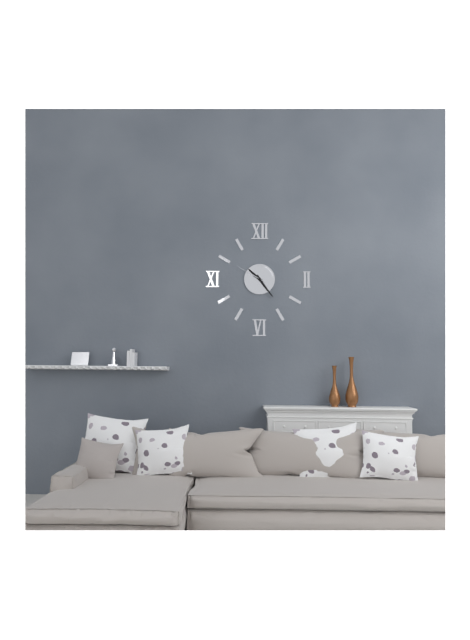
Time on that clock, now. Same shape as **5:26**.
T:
**10:24**
